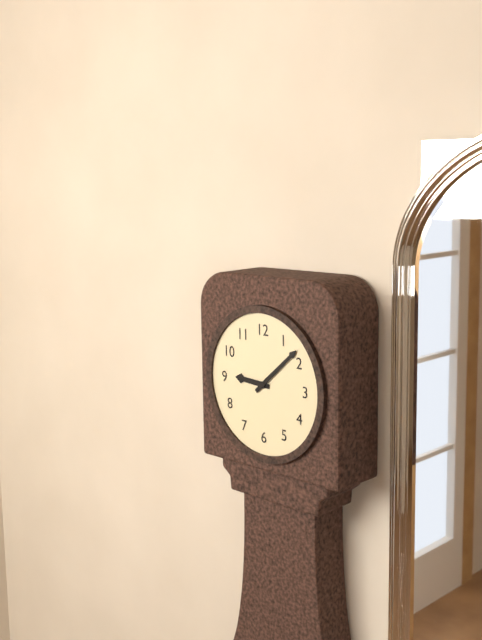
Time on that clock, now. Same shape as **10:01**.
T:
**9:08**
